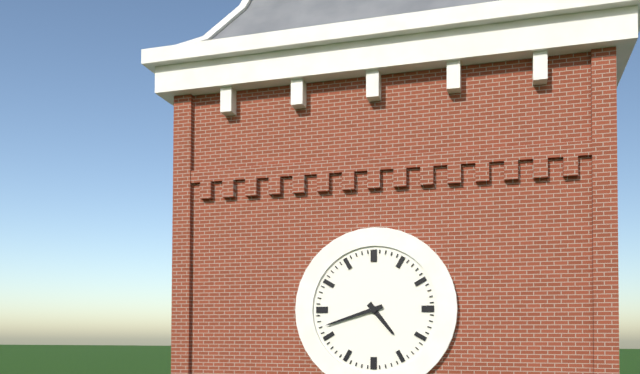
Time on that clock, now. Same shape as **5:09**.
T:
**4:42**
